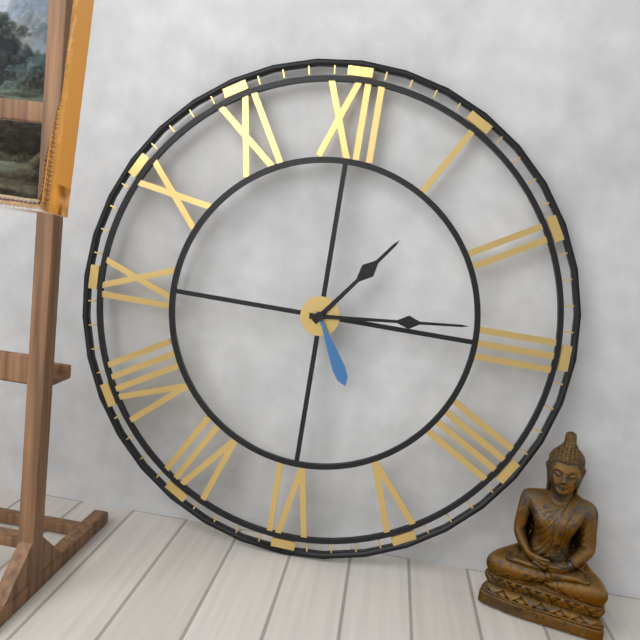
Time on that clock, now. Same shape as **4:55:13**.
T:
**1:14:25**
